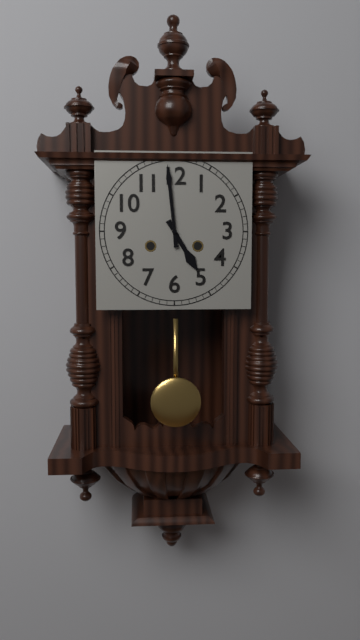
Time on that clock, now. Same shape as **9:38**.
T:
**4:59**
